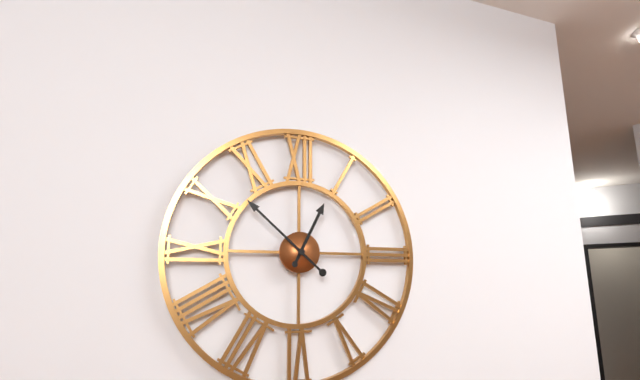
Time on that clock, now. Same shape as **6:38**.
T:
**12:52**
